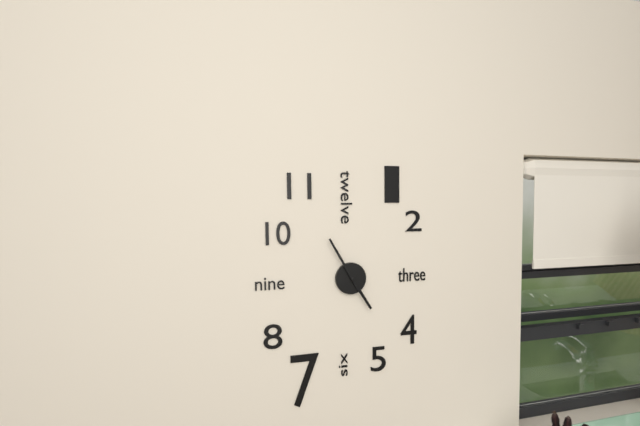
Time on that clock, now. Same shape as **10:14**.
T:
**4:55**
